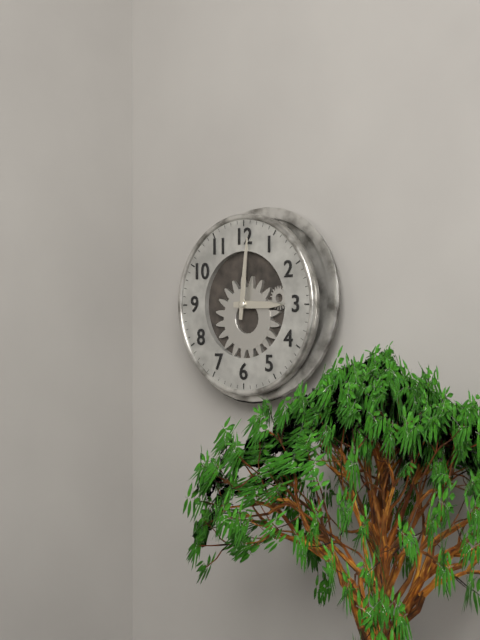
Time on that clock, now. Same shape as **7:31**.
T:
**3:01**
